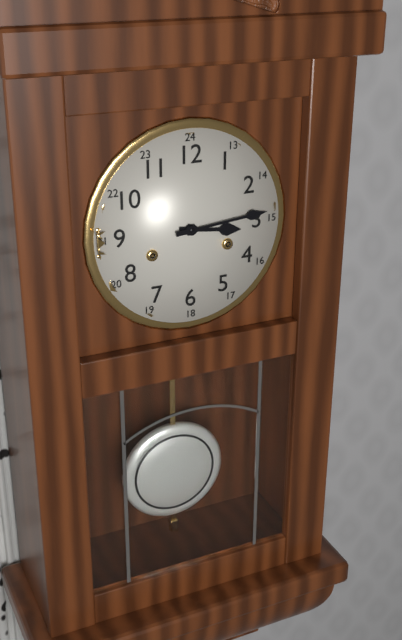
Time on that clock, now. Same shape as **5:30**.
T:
**3:14**
